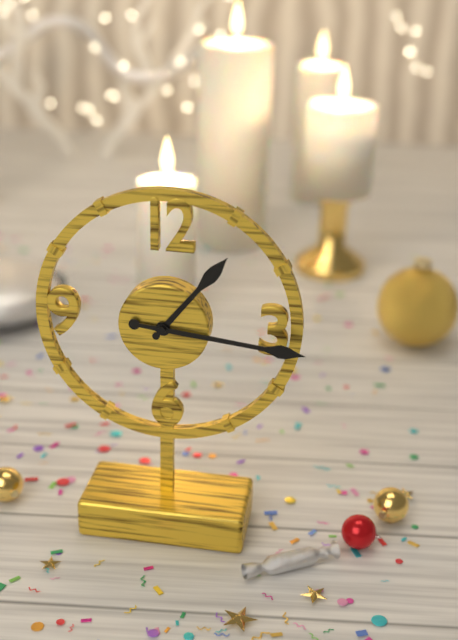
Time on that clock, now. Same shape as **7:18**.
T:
**1:16**
